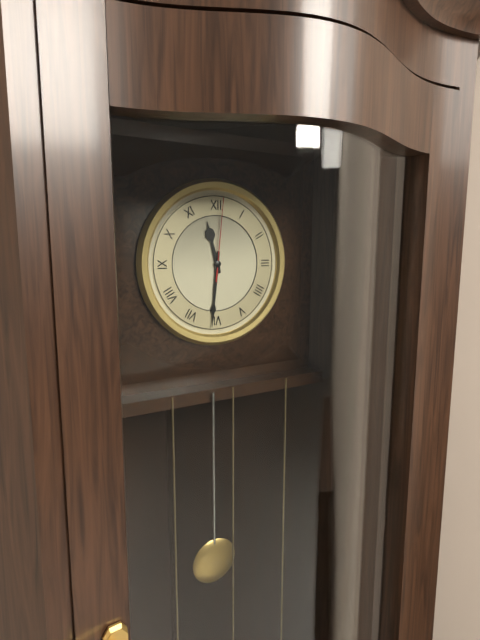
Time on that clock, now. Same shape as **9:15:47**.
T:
**11:31:01**
